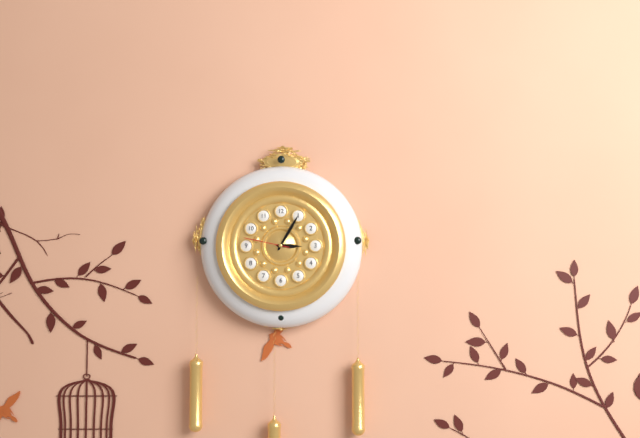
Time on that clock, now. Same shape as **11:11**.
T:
**3:05**
